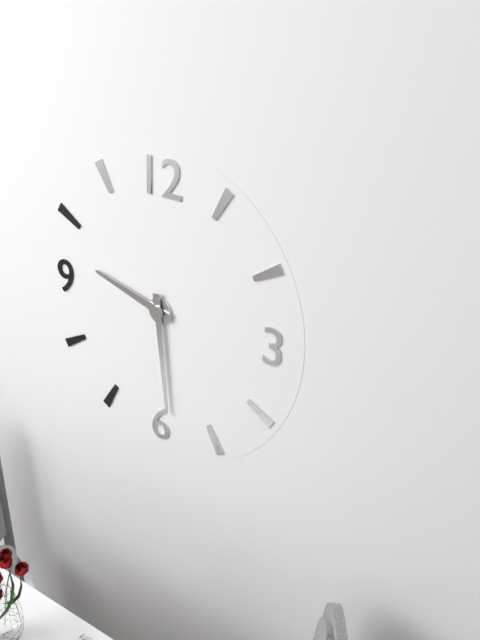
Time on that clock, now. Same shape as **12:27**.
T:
**9:29**
